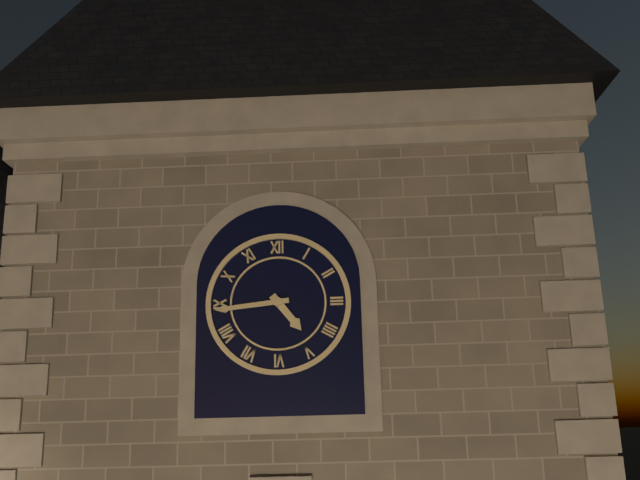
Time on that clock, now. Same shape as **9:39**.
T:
**4:44**
